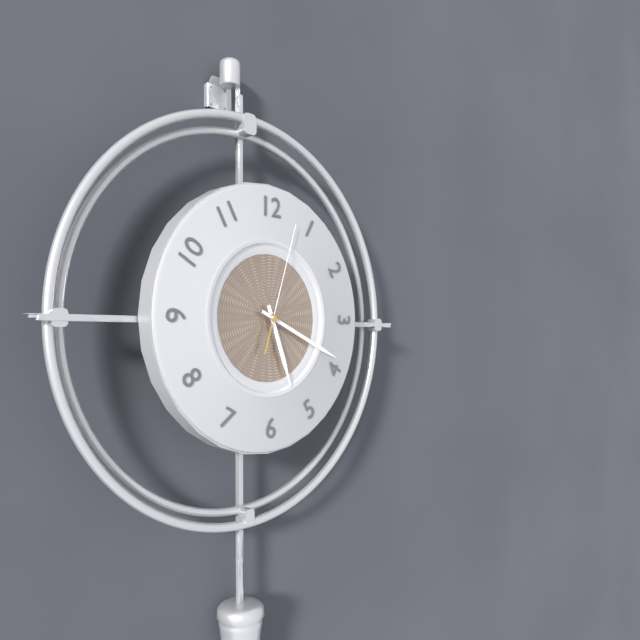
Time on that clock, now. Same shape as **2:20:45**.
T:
**5:19:03**
